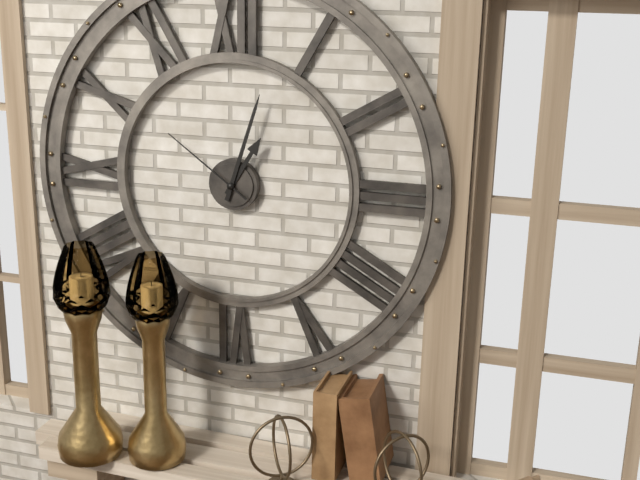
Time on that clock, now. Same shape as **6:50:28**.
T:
**1:03:51**
